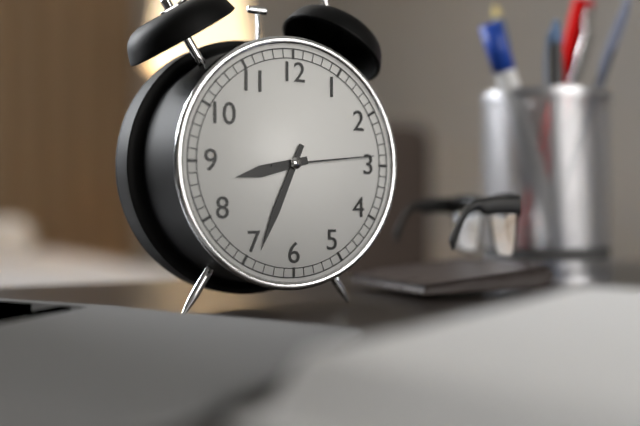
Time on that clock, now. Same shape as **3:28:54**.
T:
**8:34:14**
